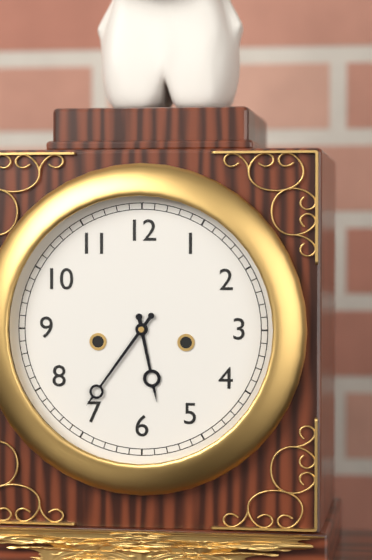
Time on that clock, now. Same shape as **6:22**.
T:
**5:36**
